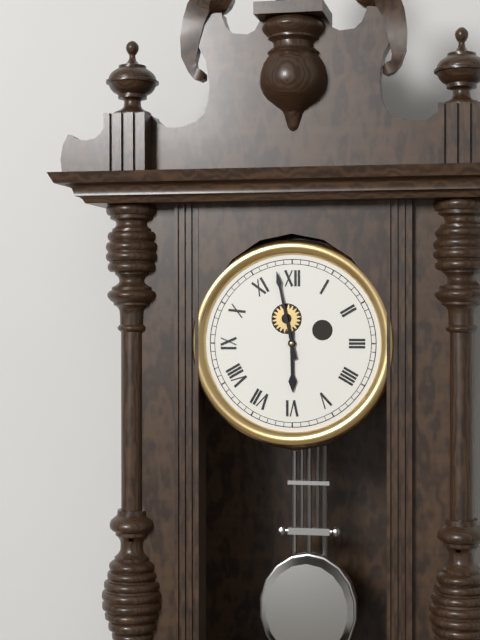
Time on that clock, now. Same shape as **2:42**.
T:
**5:58**
